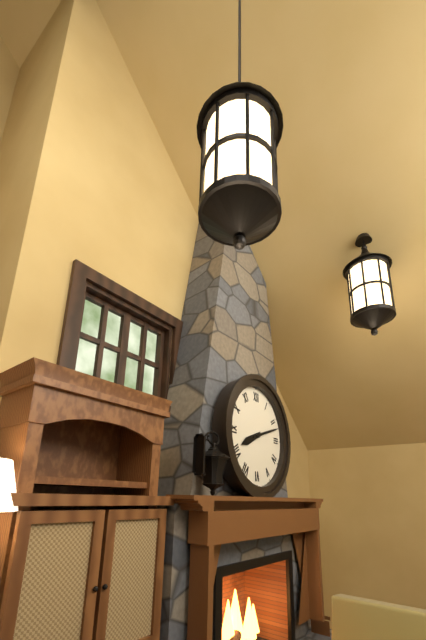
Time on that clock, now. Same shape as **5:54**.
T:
**8:12**
